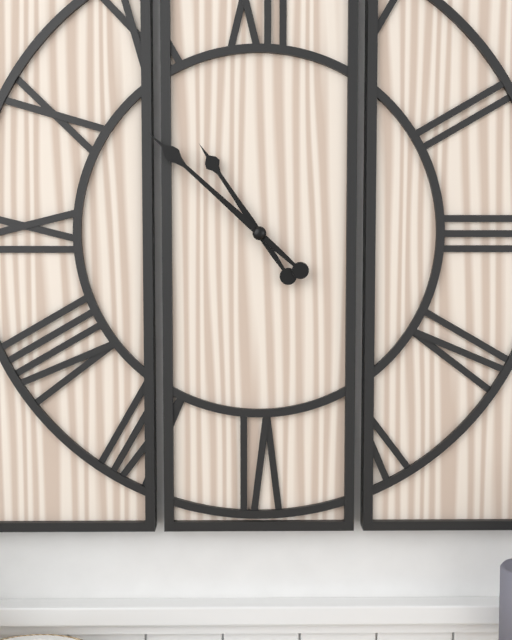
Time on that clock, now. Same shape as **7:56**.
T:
**10:52**
